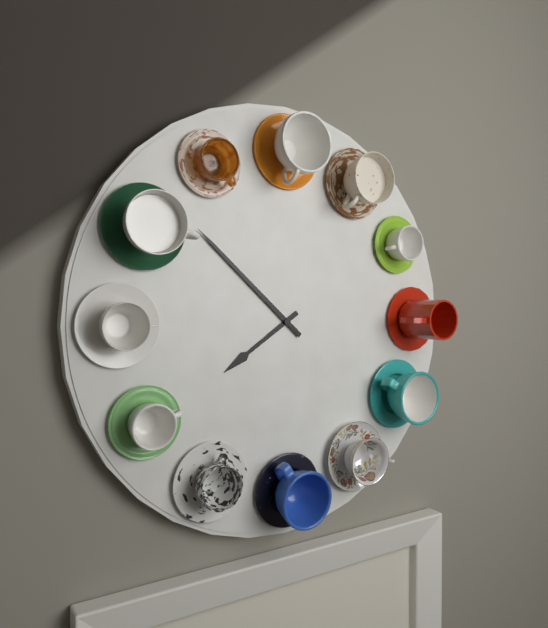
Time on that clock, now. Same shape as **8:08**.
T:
**7:52**
